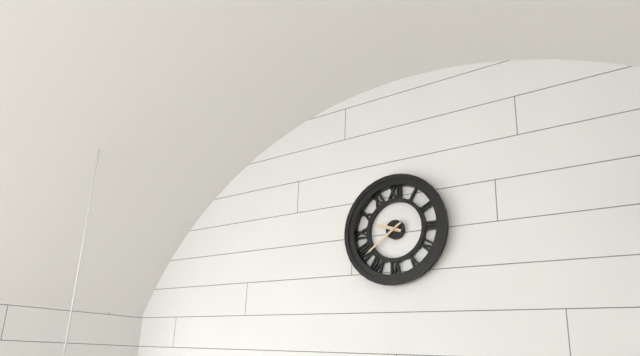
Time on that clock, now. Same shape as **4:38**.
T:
**9:39**
